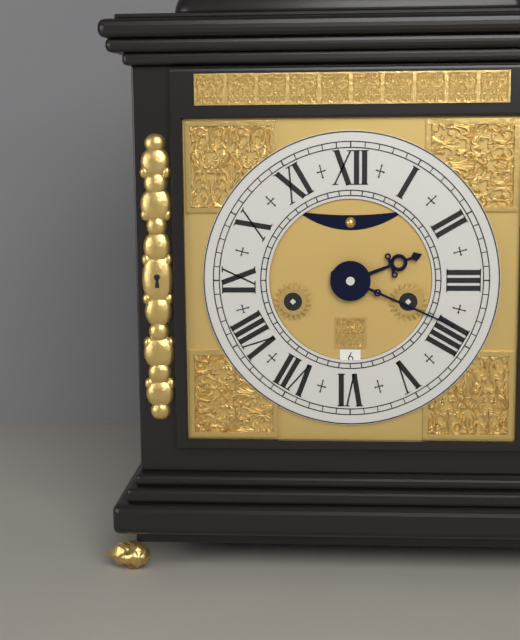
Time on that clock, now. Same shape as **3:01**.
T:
**2:19**
